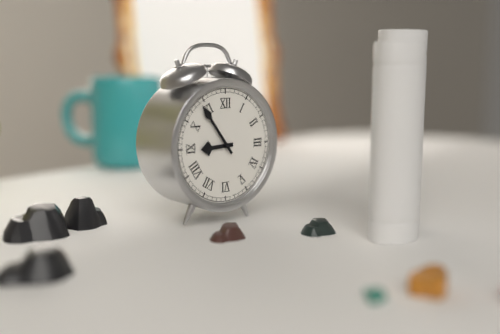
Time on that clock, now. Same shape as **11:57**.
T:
**8:54**
